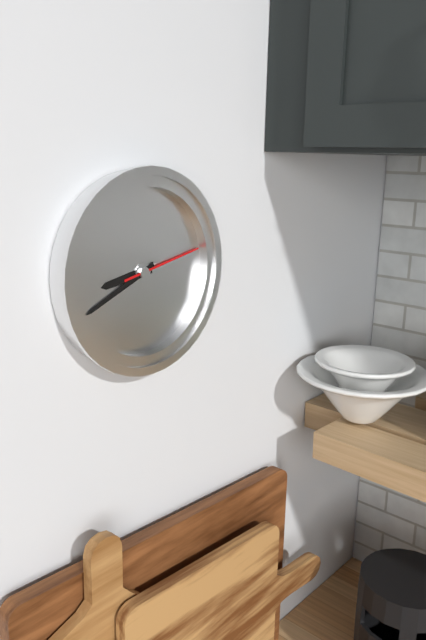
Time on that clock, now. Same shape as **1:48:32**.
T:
**8:41:13**
